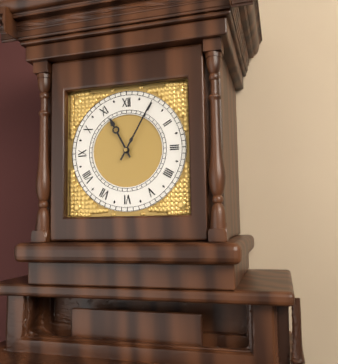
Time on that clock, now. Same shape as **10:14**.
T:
**11:05**
